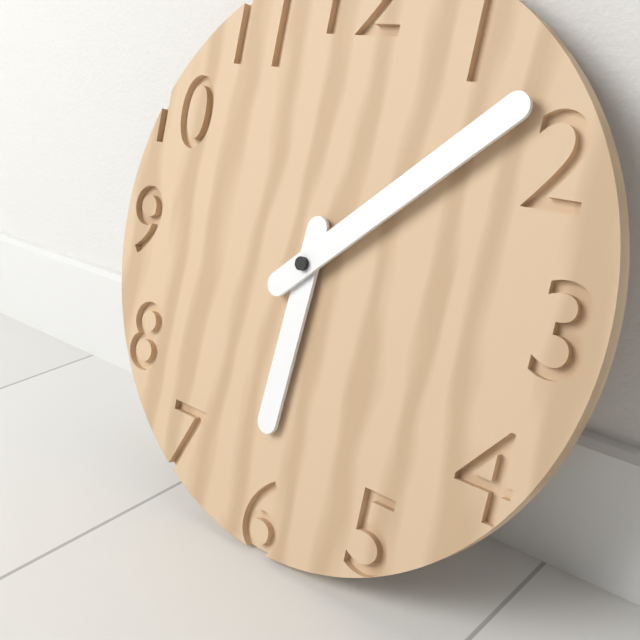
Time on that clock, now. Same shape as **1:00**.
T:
**6:08**
